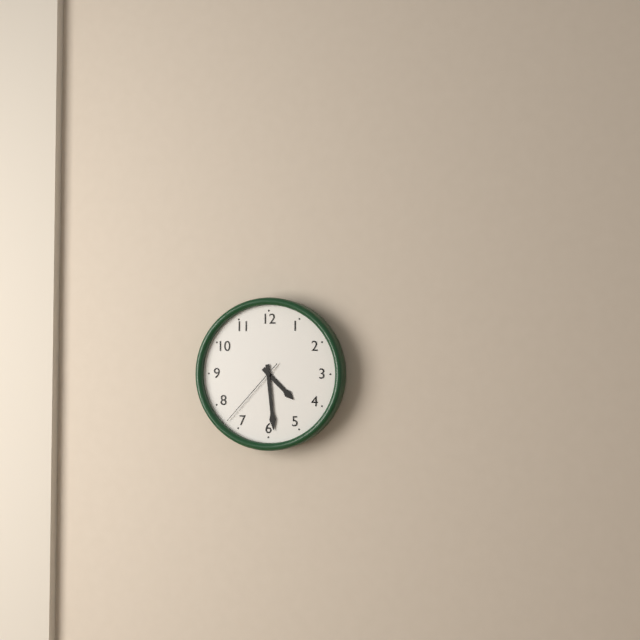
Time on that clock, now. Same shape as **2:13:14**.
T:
**4:29:37**
